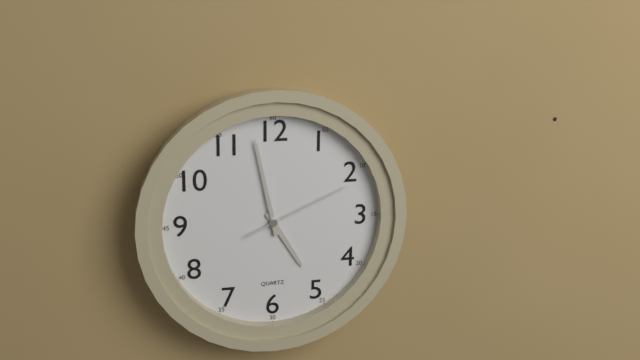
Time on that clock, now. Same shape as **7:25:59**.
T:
**4:58:11**
